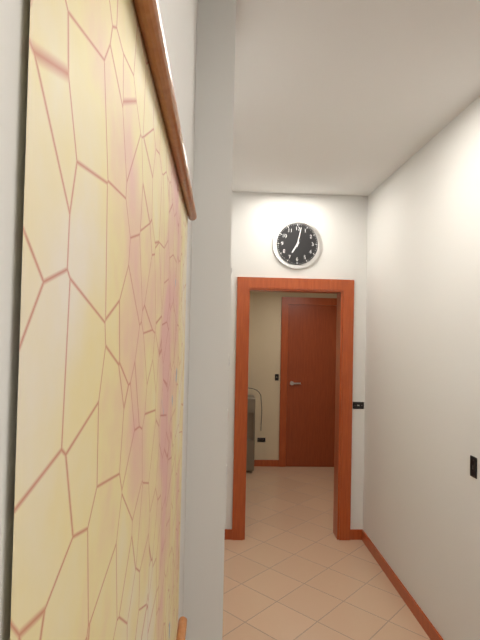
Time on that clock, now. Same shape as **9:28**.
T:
**7:02**
